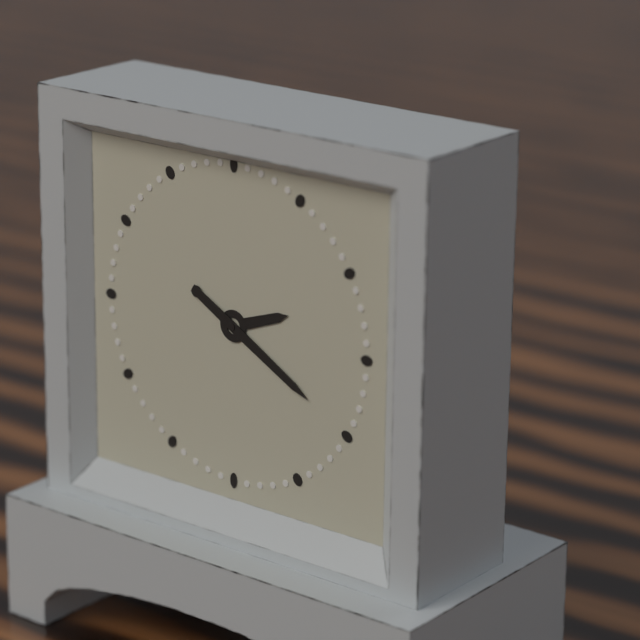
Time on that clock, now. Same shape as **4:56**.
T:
**2:20**
